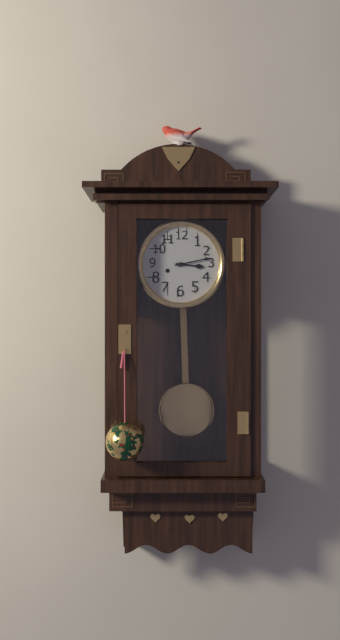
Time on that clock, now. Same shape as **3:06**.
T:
**3:13**
